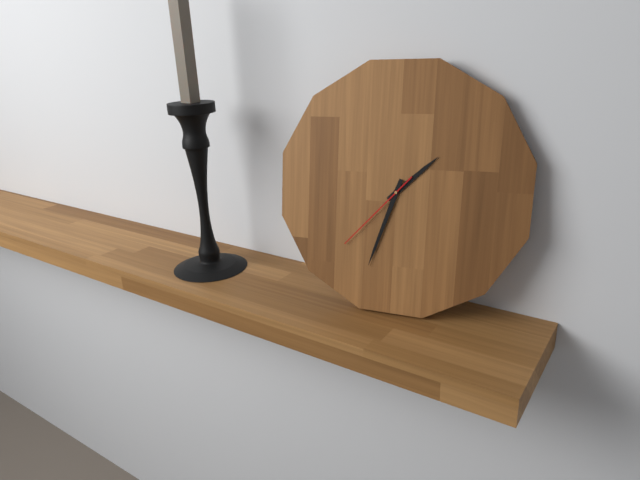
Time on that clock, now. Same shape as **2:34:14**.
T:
**1:33:37**
